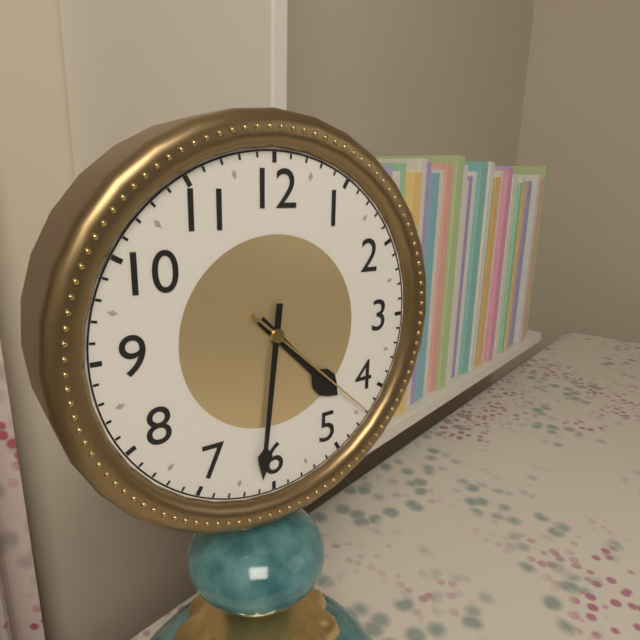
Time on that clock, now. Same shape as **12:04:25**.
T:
**4:31:22**
